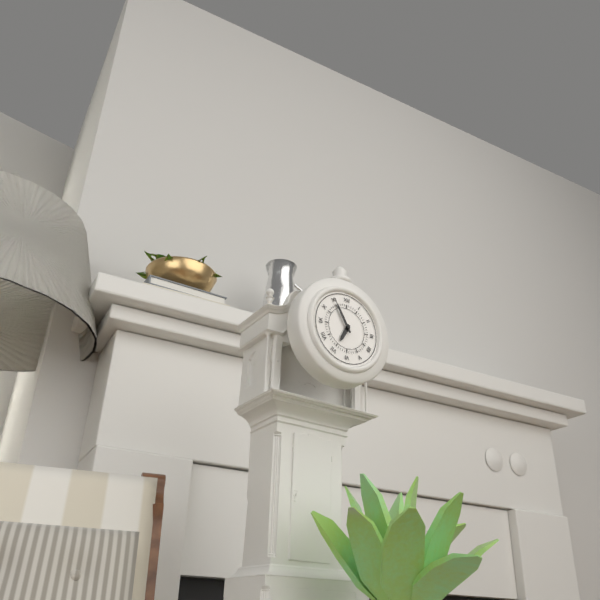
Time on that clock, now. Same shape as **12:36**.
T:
**6:55**
